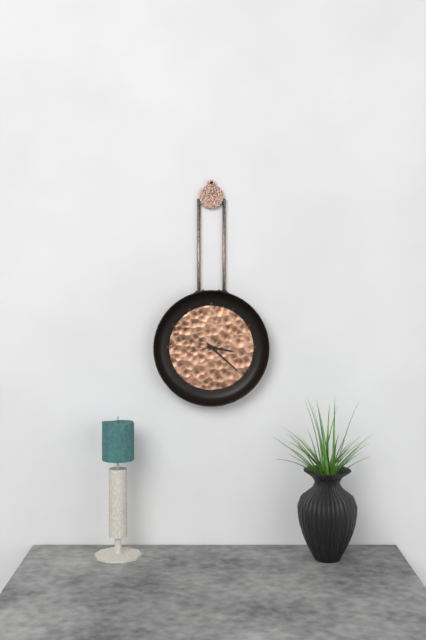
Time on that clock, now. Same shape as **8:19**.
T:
**3:22**
